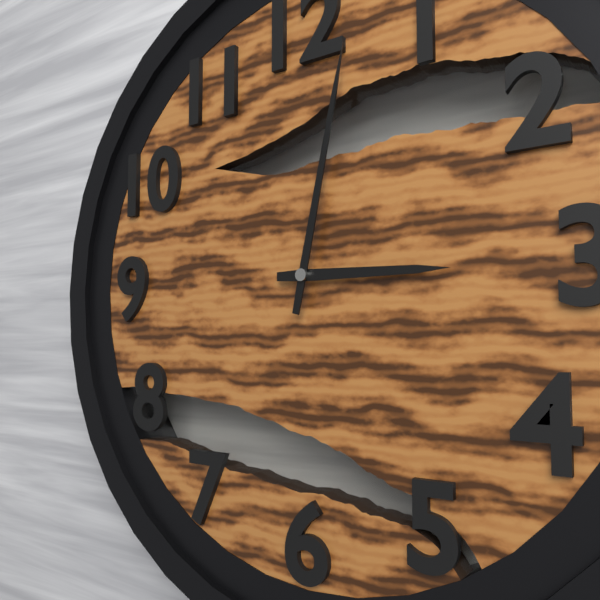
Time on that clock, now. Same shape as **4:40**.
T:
**3:02**
